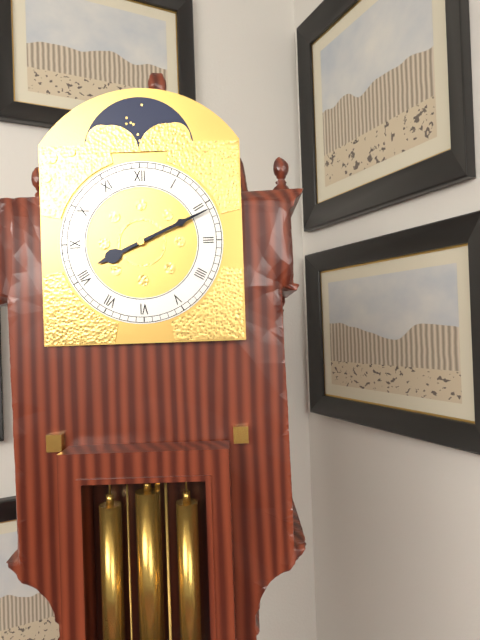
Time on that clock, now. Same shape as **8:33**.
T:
**8:11**
